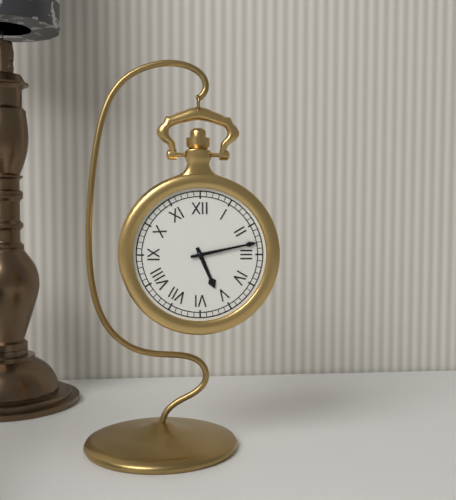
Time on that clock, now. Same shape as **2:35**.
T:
**5:13**
